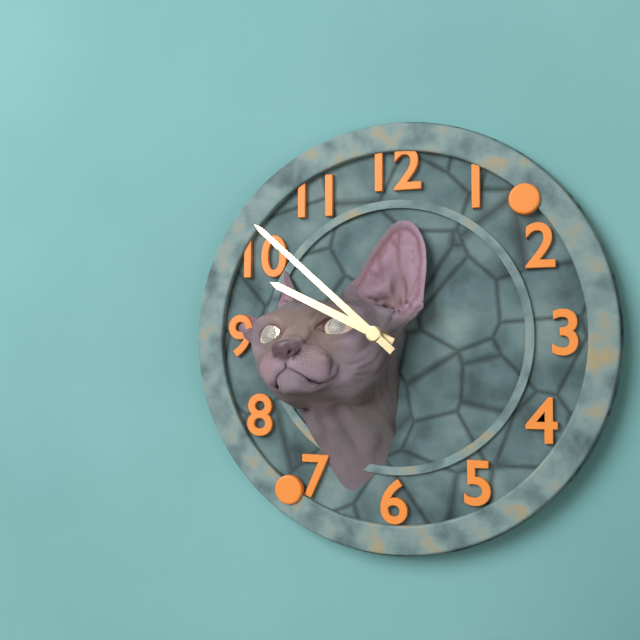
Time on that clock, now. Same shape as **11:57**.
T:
**9:52**
